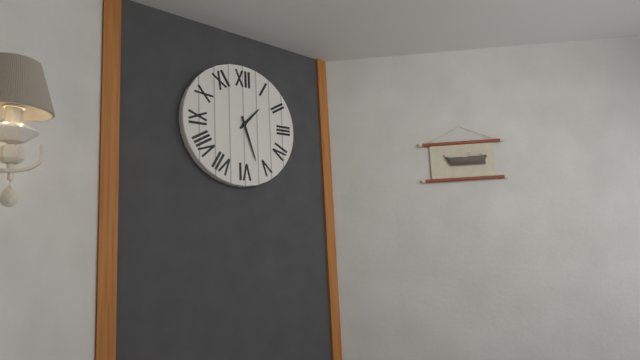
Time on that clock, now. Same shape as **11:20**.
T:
**1:27**
